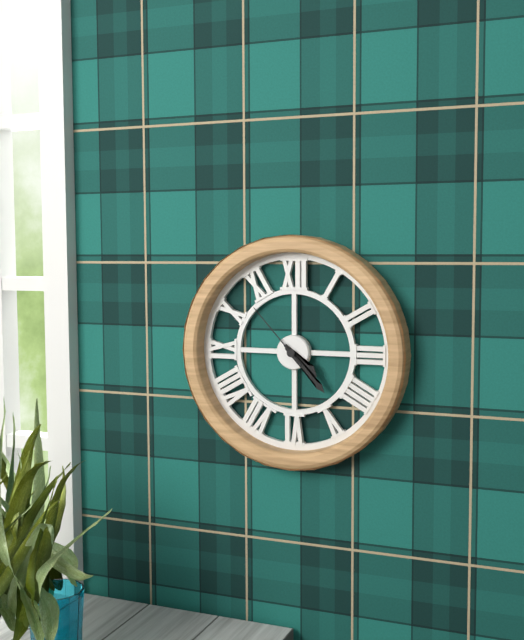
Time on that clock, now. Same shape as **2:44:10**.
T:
**4:23:53**
